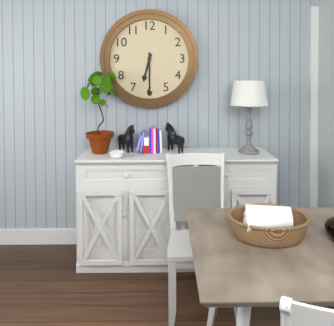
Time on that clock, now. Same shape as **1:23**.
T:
**6:30**
